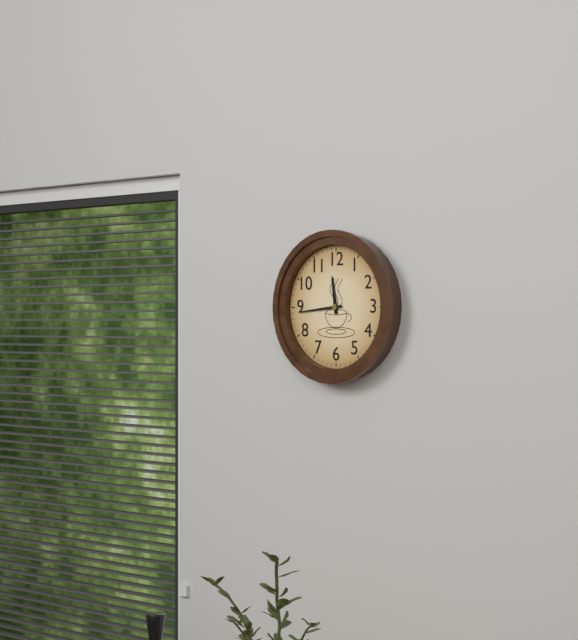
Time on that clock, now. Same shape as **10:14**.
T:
**11:44**
